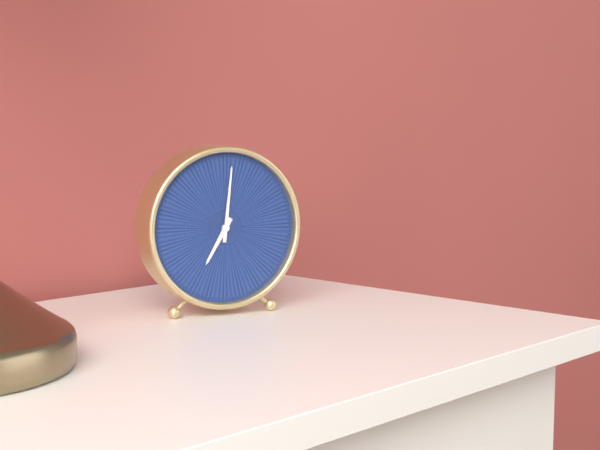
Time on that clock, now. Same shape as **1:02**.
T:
**7:01**
